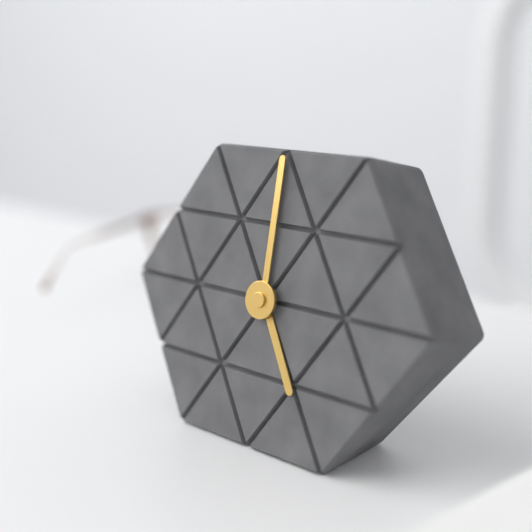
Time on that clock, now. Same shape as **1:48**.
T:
**5:00**
